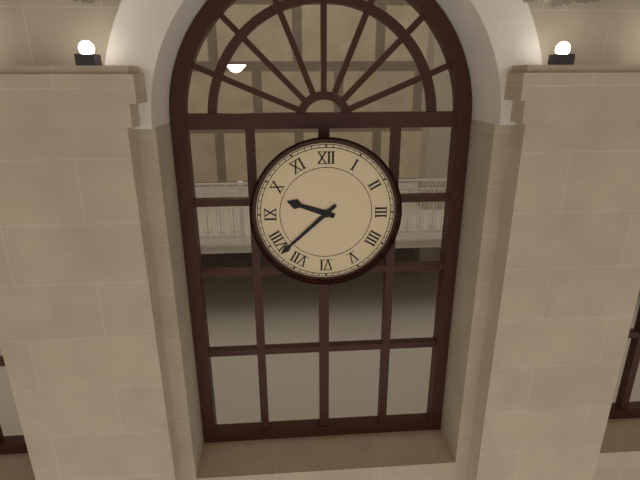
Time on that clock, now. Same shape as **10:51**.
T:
**9:38**
